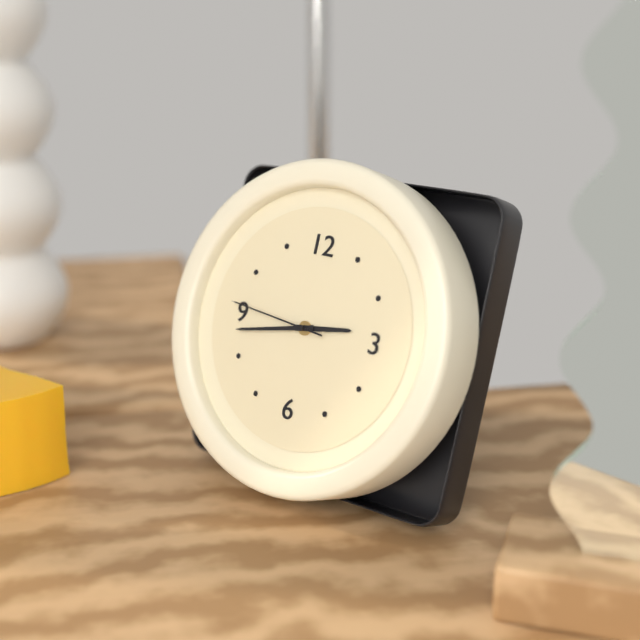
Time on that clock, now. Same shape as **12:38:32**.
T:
**2:43:46**
